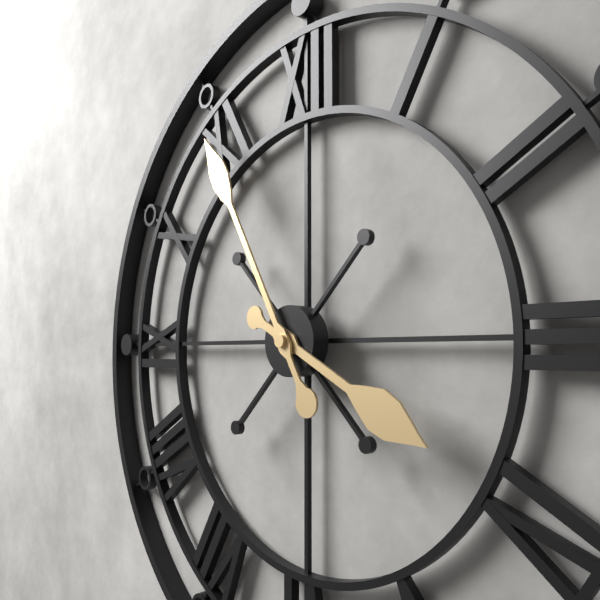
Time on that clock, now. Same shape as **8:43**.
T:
**3:55**
